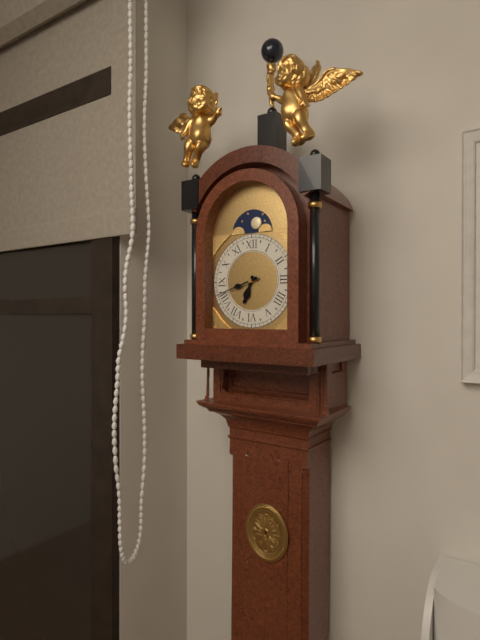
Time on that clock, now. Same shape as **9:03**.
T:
**6:42**
